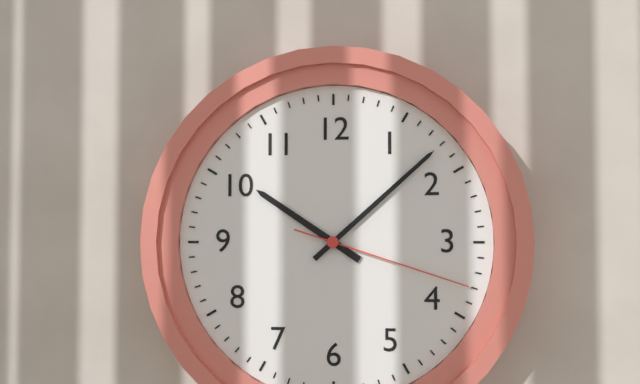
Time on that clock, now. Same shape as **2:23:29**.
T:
**10:08:18**
